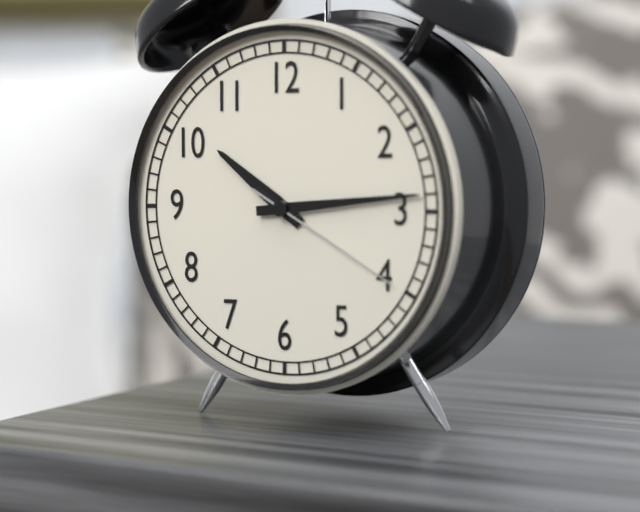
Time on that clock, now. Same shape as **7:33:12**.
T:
**10:14:20**
